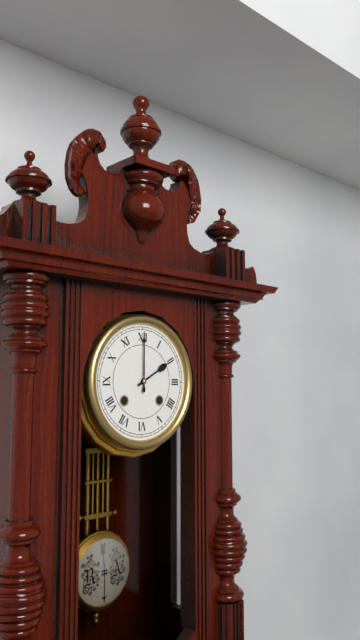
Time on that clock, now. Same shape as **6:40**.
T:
**2:00**
